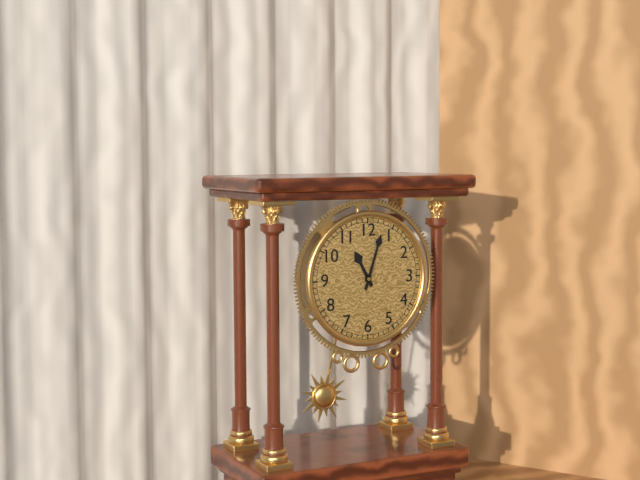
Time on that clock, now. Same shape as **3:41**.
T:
**11:03**
